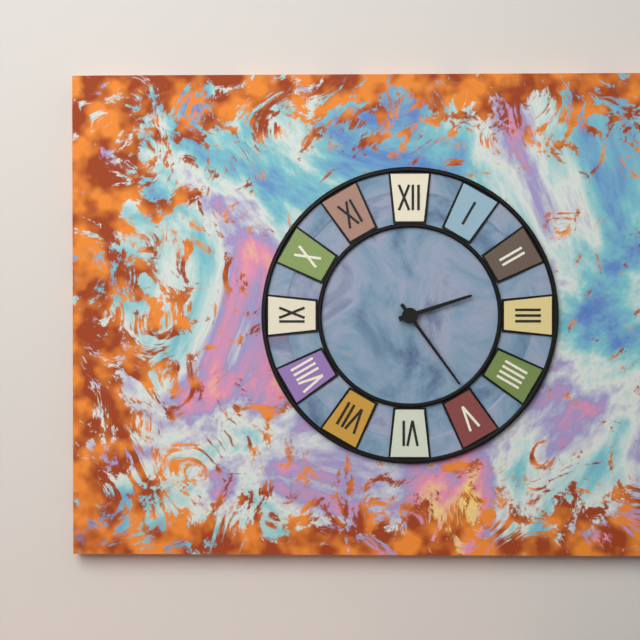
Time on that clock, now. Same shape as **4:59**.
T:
**2:24**
